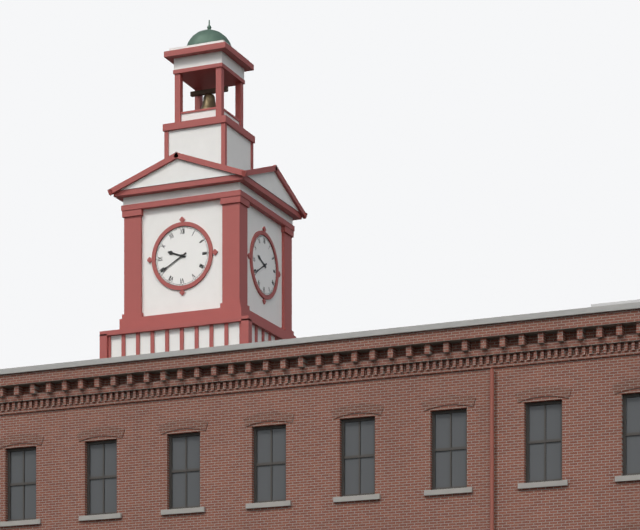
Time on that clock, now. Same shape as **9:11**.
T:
**9:40**
